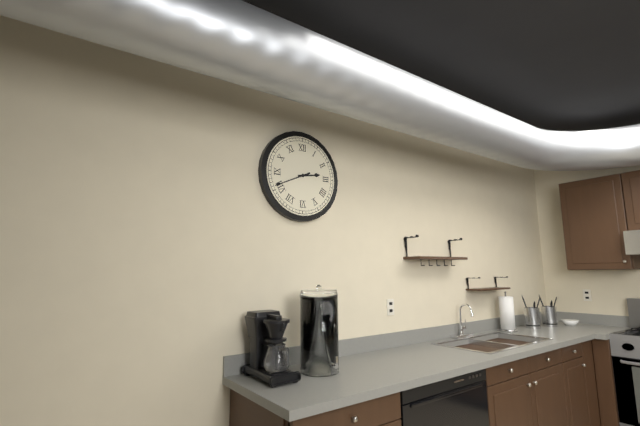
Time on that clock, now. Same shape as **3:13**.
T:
**2:41**
